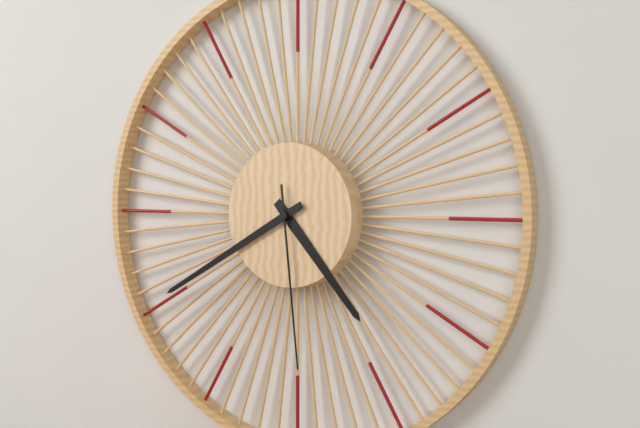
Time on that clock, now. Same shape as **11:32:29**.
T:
**4:40:29**
